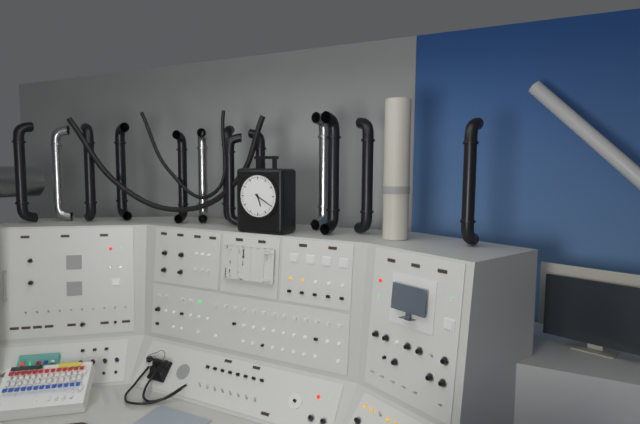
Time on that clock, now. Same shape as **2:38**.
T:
**5:20**
